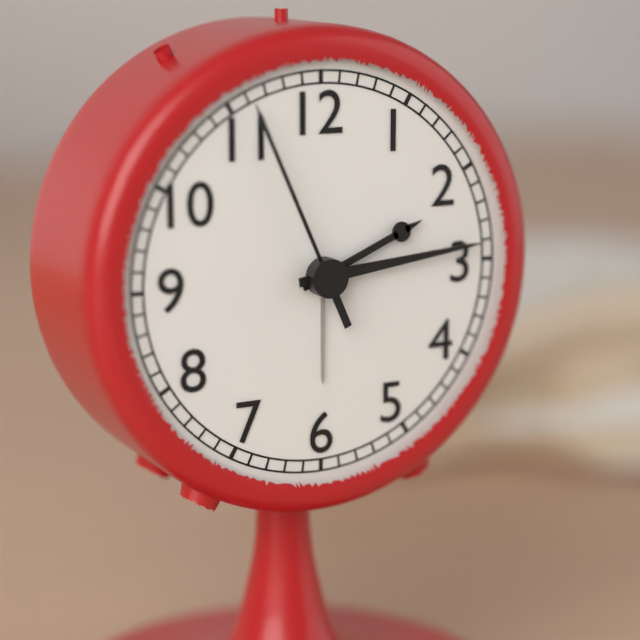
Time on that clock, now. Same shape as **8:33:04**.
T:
**2:14:56**
